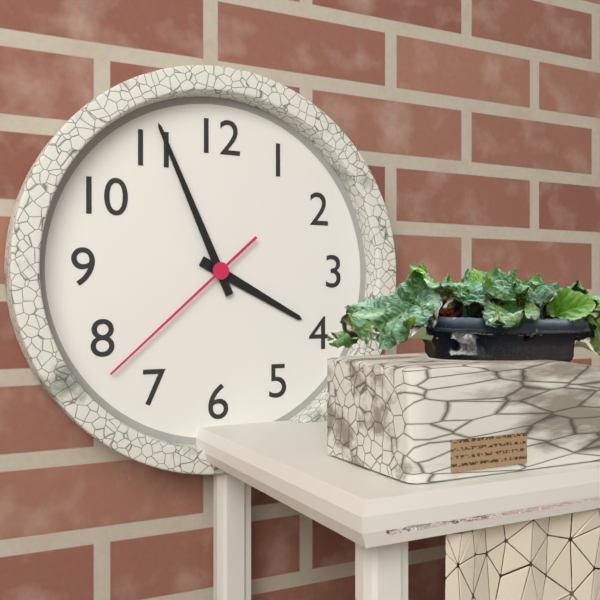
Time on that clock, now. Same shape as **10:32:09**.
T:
**3:56:38**
